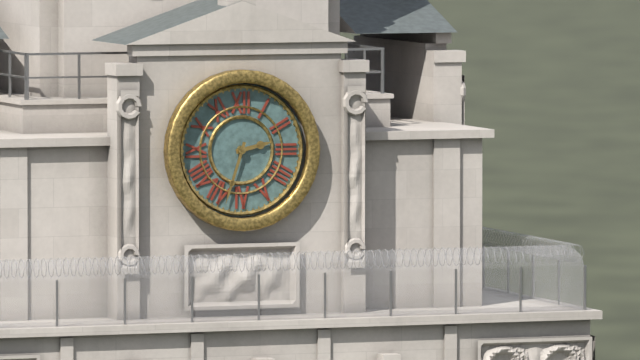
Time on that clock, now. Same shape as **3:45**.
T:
**2:33**
